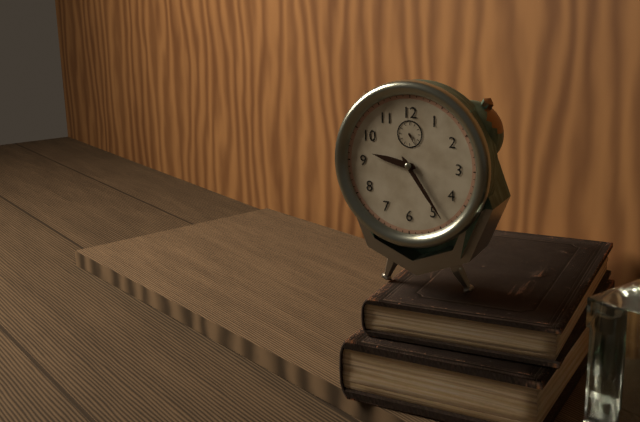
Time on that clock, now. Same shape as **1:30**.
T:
**9:24**
